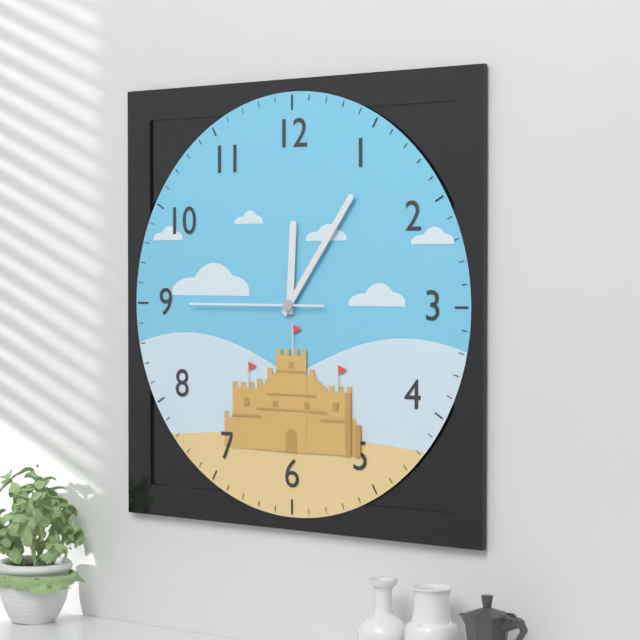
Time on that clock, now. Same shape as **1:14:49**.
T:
**12:06:45**
